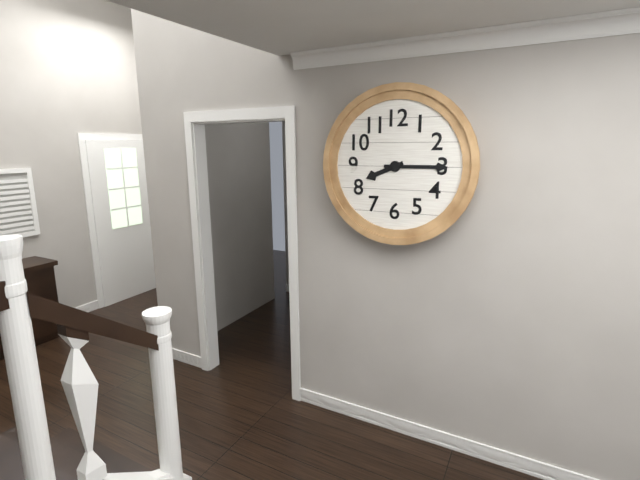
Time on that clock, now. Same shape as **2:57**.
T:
**8:15**
